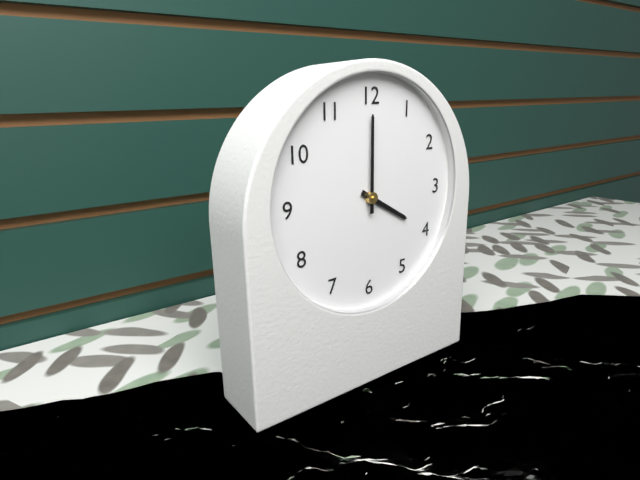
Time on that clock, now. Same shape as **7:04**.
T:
**4:00**
